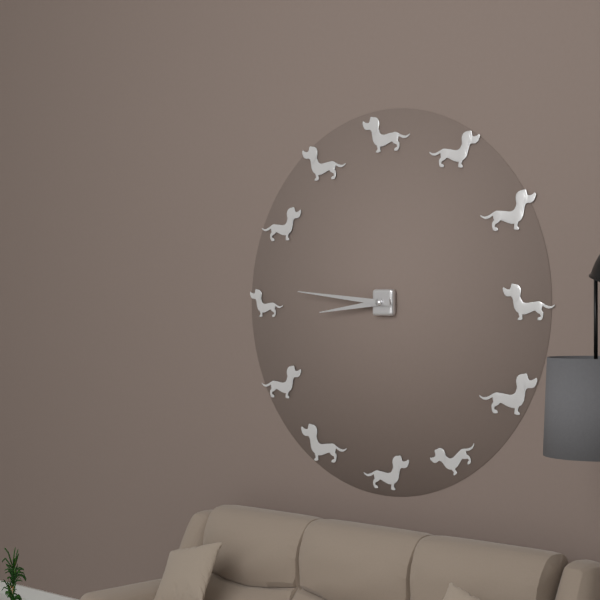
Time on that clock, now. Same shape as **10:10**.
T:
**8:46**
